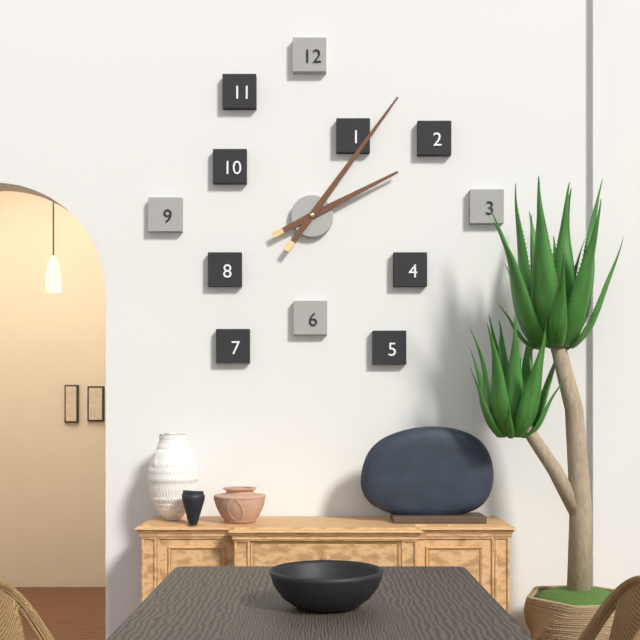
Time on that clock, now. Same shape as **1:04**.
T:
**2:06**
